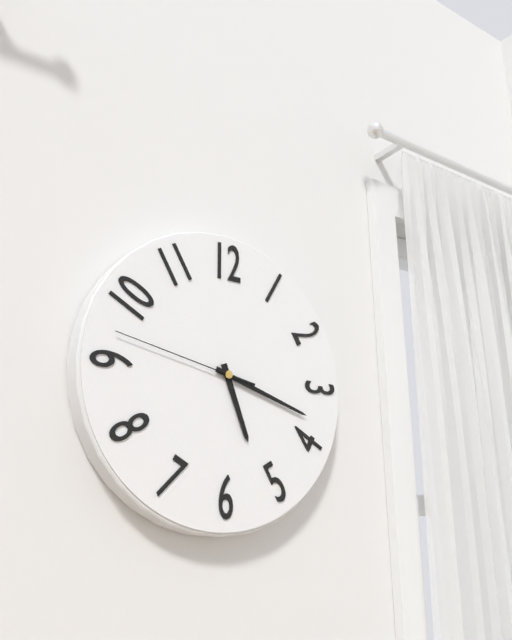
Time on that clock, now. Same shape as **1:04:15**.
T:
**5:18:47**
